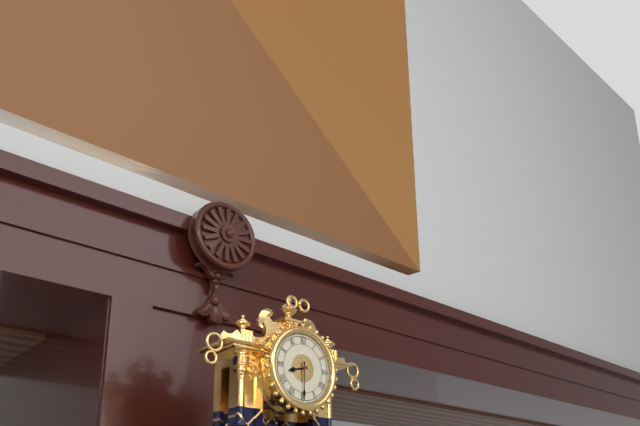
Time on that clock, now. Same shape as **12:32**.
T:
**8:30**
